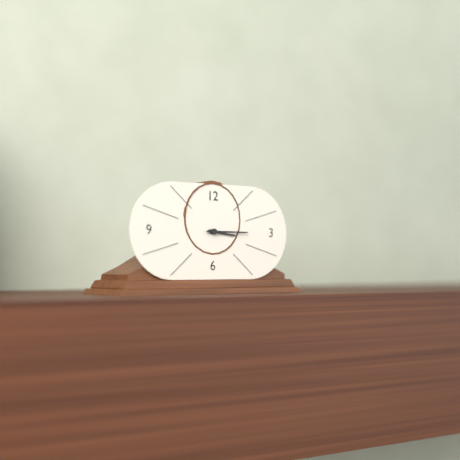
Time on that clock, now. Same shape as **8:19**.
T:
**3:15**
